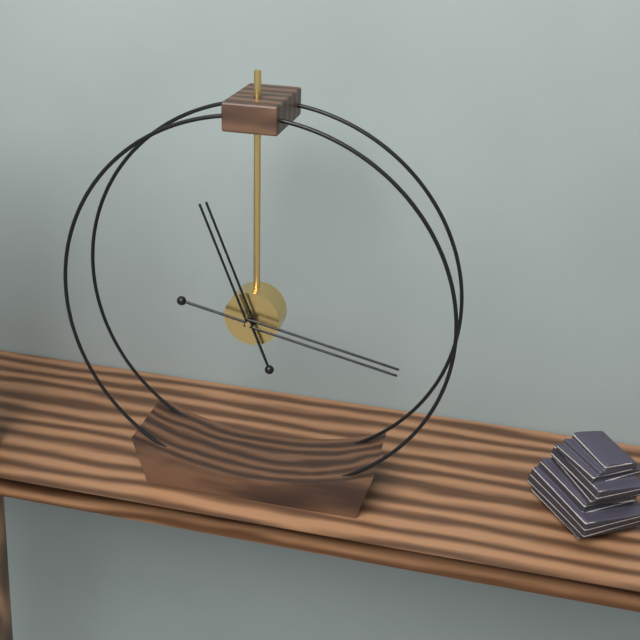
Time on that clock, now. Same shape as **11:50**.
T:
**11:17**
